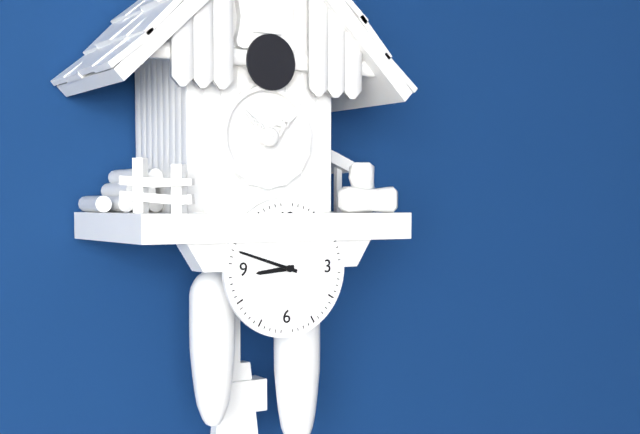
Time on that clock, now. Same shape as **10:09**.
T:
**8:48**
